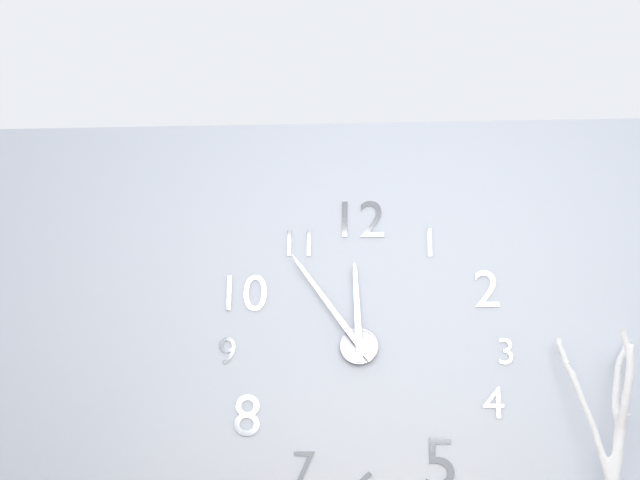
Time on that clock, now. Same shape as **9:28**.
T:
**11:54**
